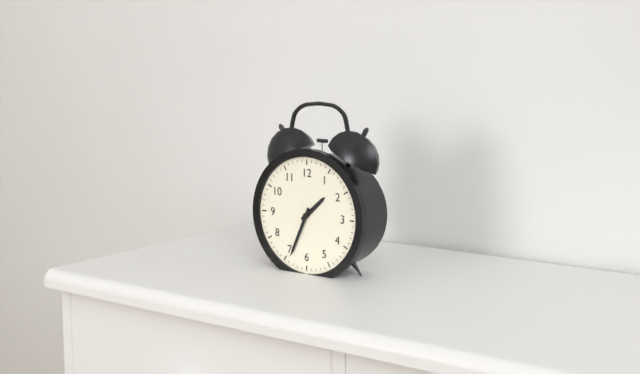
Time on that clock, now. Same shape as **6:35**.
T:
**1:34**
